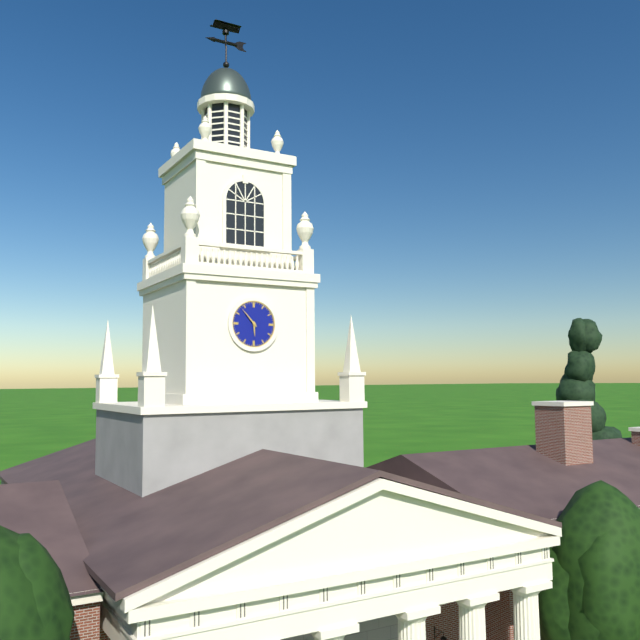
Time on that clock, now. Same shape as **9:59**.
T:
**5:53**
